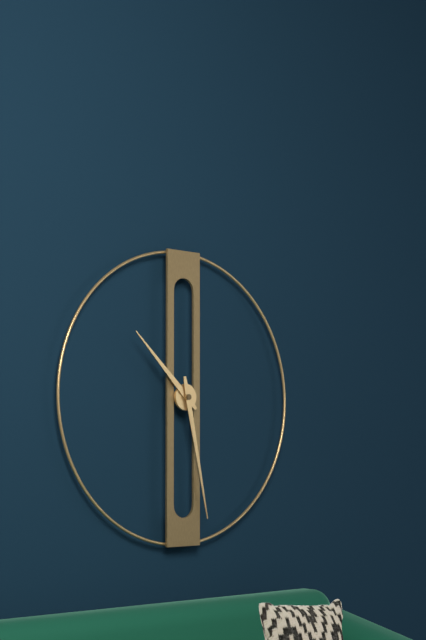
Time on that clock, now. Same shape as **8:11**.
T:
**10:28**
